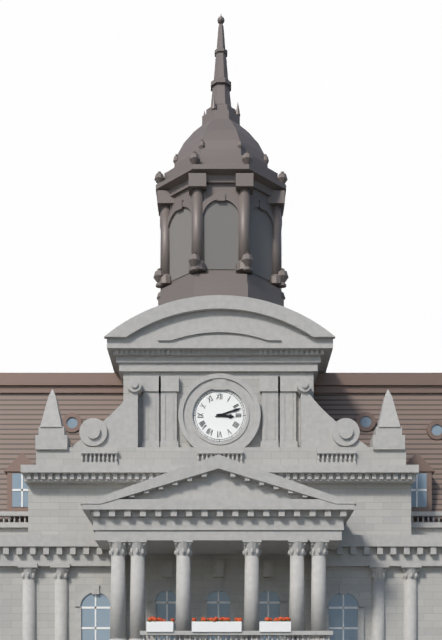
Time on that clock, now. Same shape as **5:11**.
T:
**3:12**
